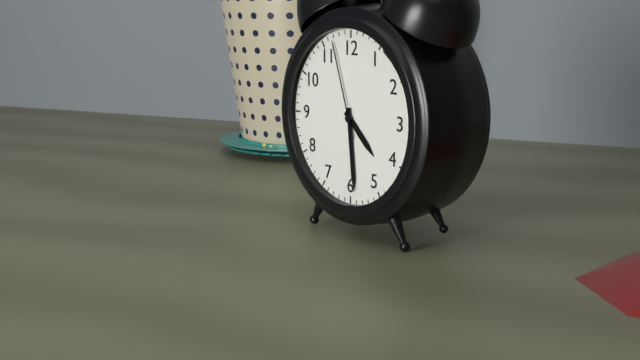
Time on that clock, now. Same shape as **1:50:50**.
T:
**4:29:57**
